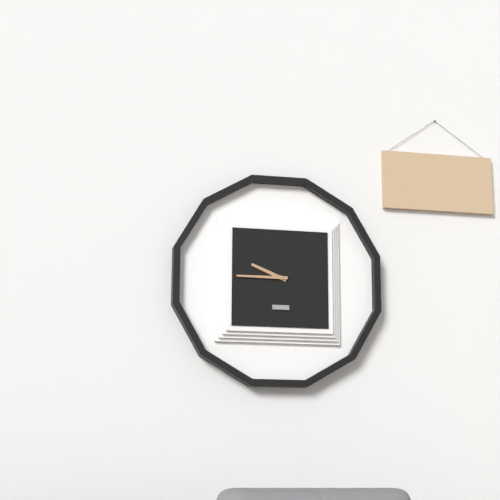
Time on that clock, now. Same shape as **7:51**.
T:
**9:45**
